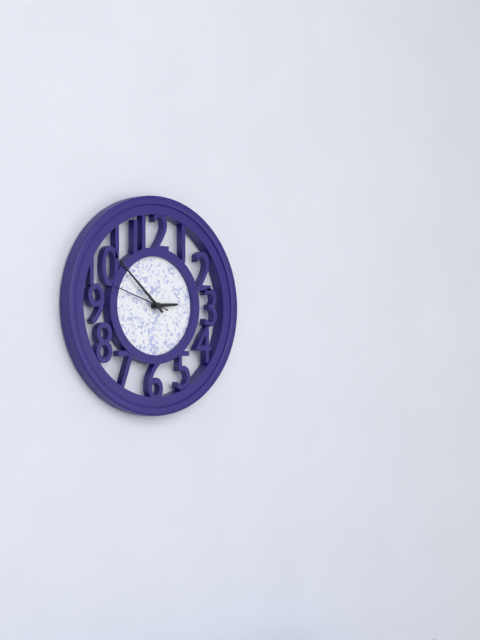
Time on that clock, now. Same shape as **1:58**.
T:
**2:52**
